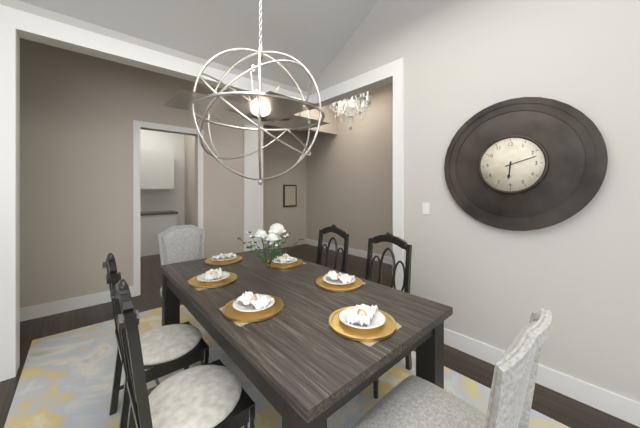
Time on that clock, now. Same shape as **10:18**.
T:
**6:12**
